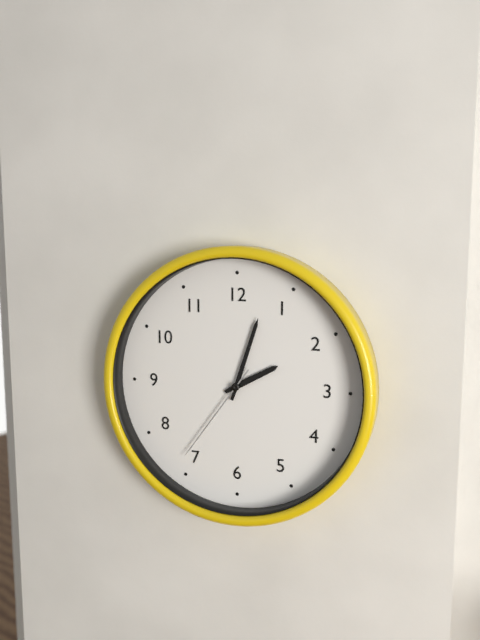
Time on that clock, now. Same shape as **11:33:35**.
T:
**2:03:36**
